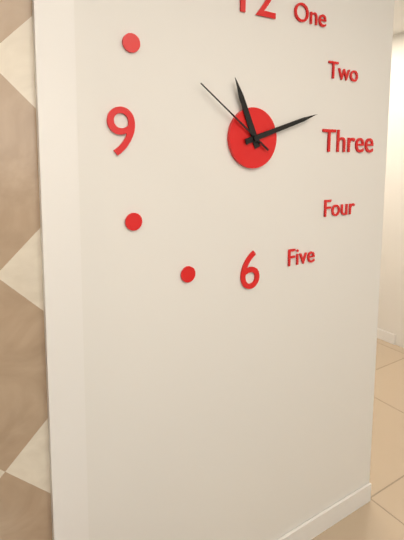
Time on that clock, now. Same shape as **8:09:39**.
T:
**11:12:51**
